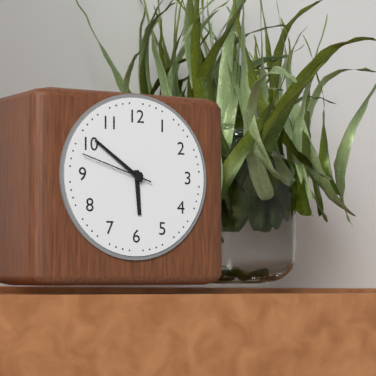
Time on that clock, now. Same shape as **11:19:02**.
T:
**5:51:48**
